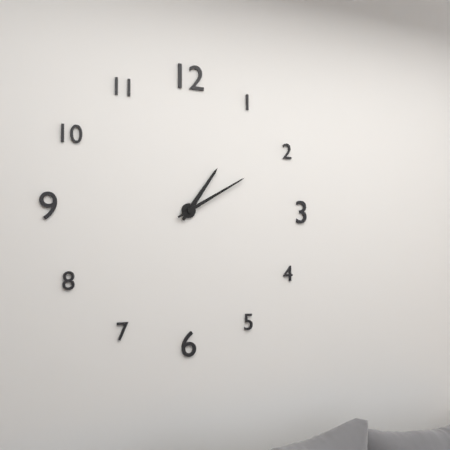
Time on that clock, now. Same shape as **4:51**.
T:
**1:10**
